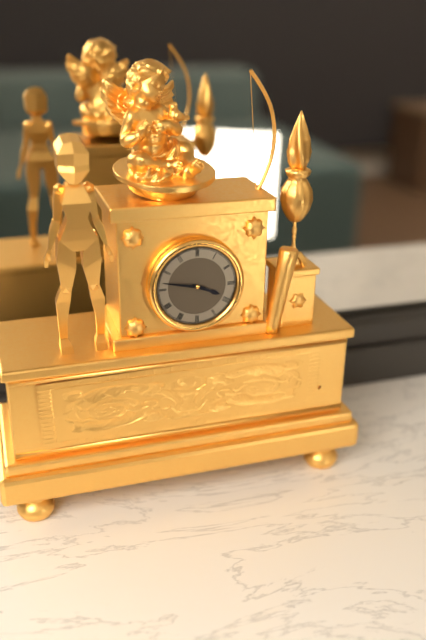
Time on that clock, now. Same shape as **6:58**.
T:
**3:47**
